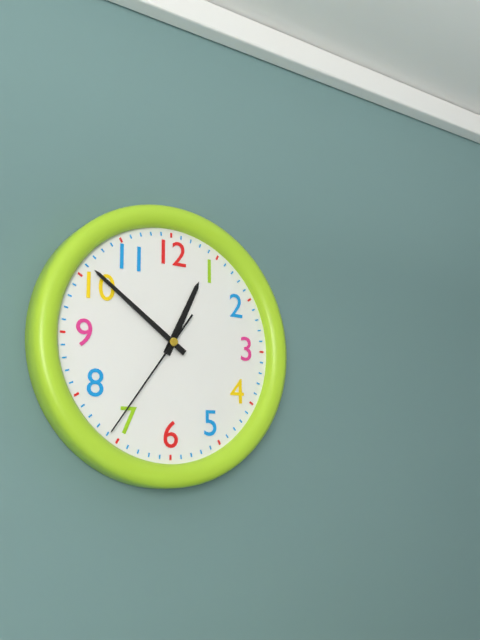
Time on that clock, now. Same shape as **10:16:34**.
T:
**12:51:36**
